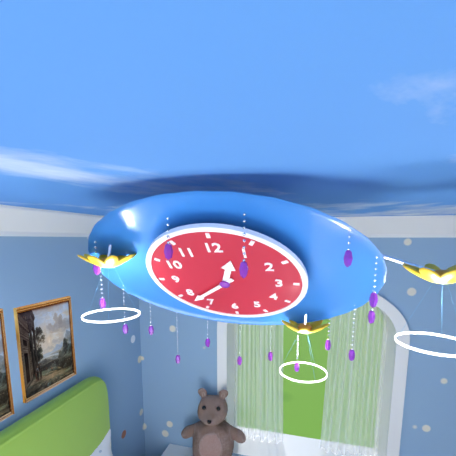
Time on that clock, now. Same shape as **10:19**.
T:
**12:38**
